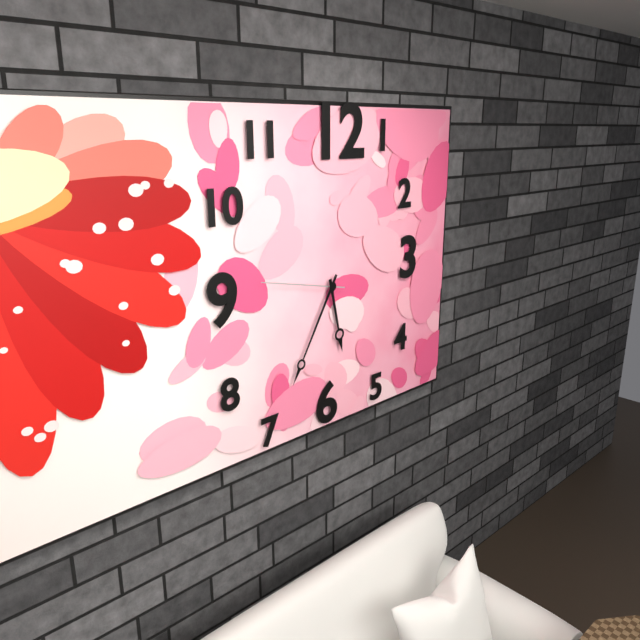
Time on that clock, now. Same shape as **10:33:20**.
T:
**5:35:47**
